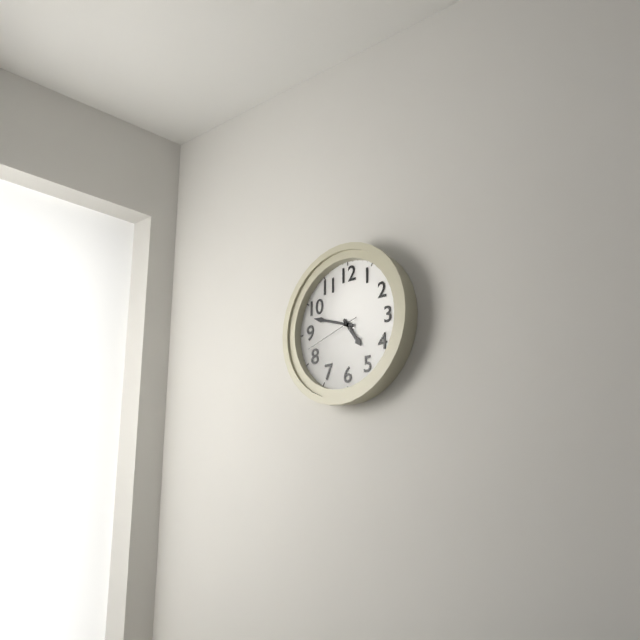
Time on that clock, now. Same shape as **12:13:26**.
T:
**4:48:42**
